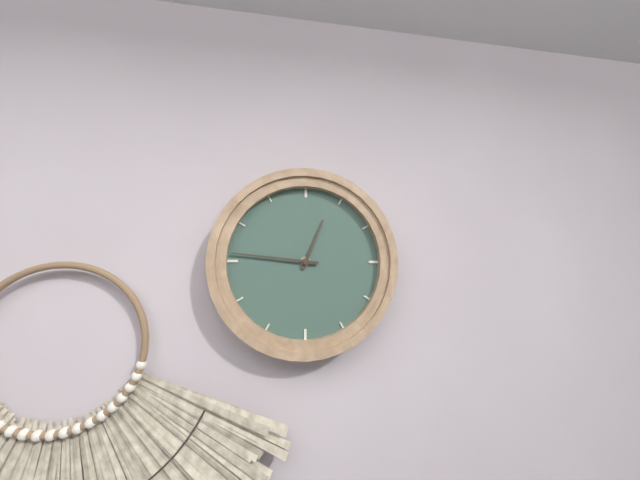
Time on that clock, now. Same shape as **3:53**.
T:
**12:46**
